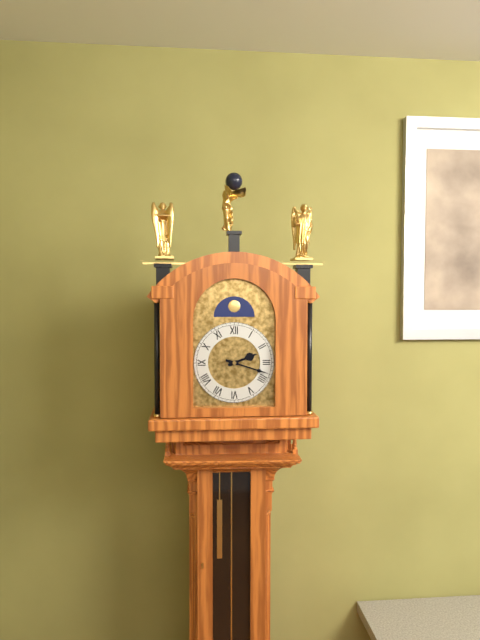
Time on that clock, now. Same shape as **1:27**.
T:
**2:18**
